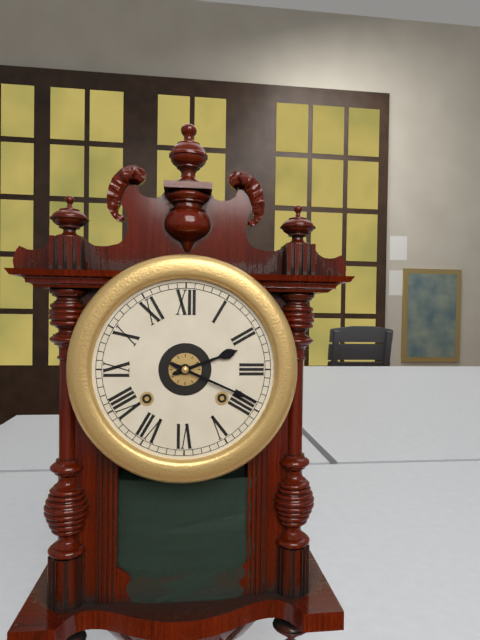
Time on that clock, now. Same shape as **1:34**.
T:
**2:19**
